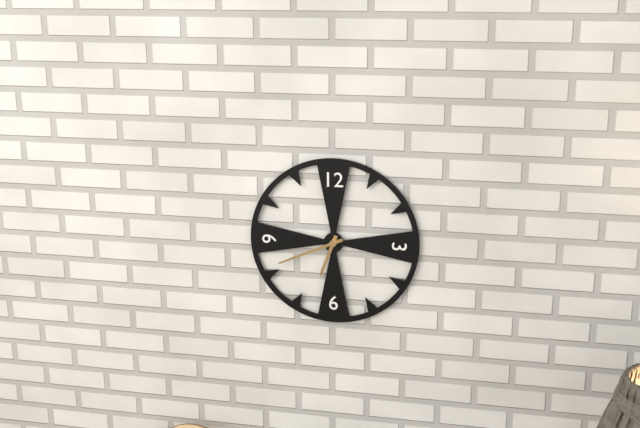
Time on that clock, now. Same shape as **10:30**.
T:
**6:41**
